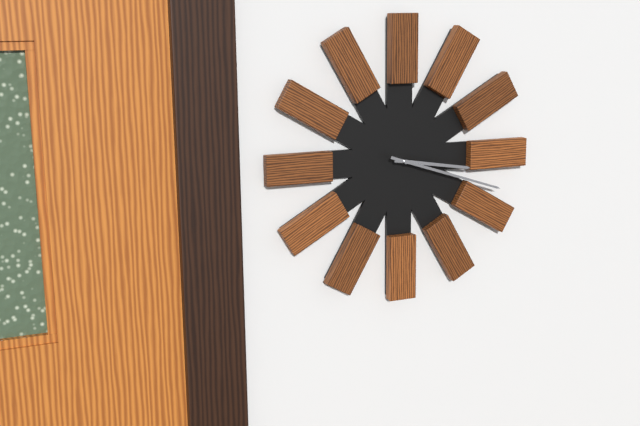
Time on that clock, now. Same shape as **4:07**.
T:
**3:18**
